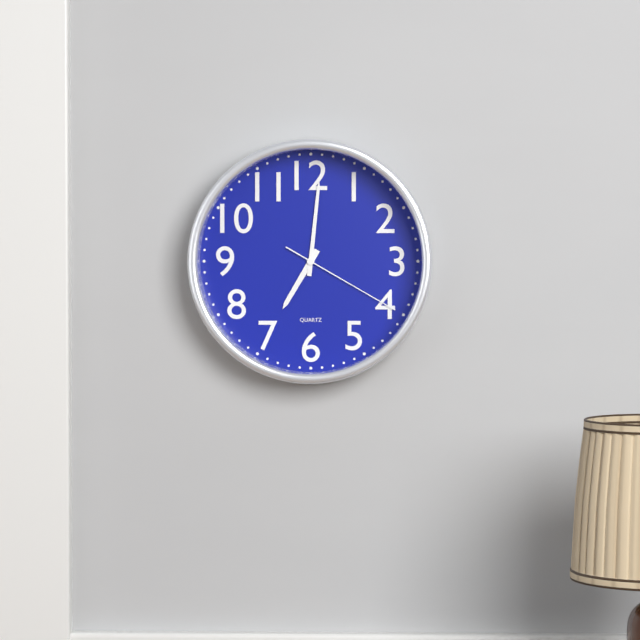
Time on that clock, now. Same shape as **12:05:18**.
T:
**7:01:20**
